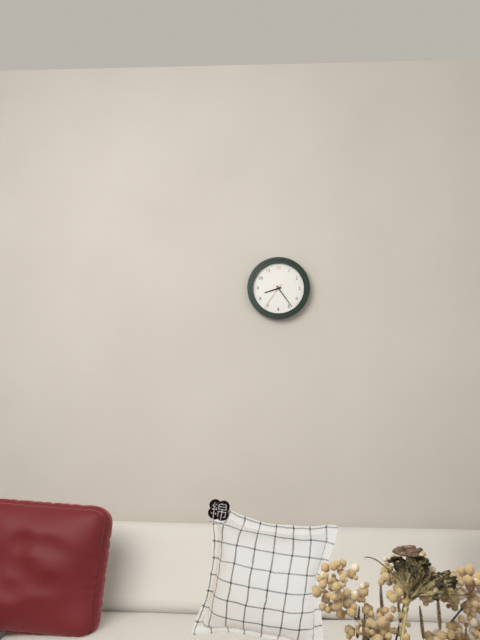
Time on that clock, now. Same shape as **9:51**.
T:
**8:24**
